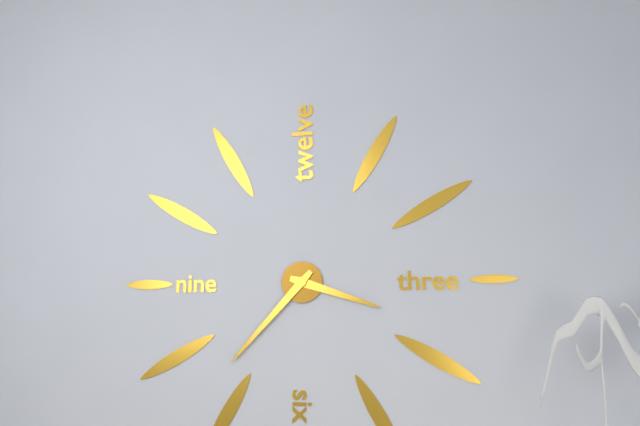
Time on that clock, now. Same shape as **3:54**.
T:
**3:37**
